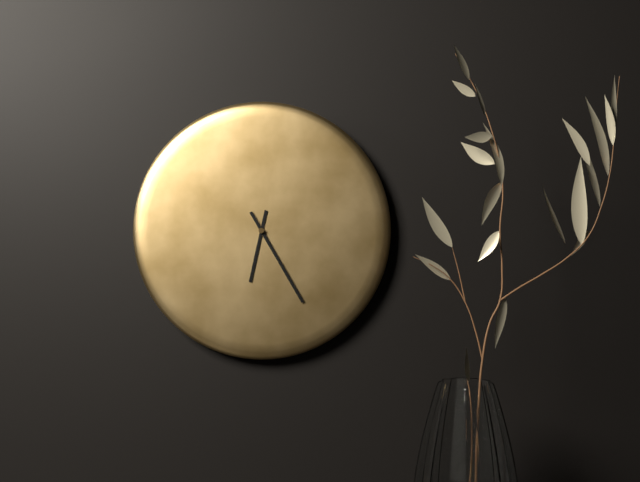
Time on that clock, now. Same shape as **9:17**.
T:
**6:25**
